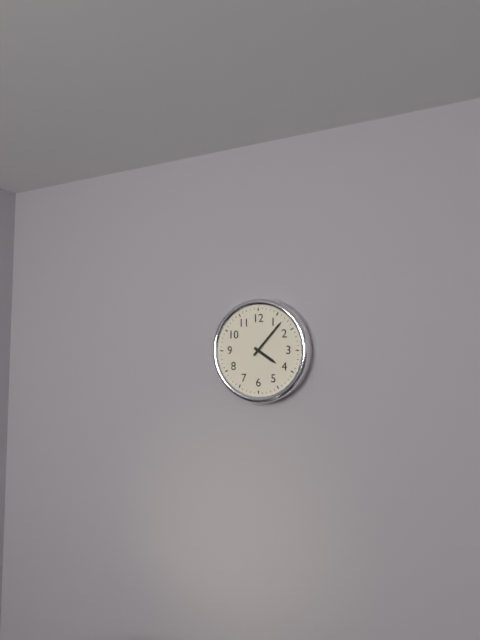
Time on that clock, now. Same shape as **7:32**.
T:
**4:07**
